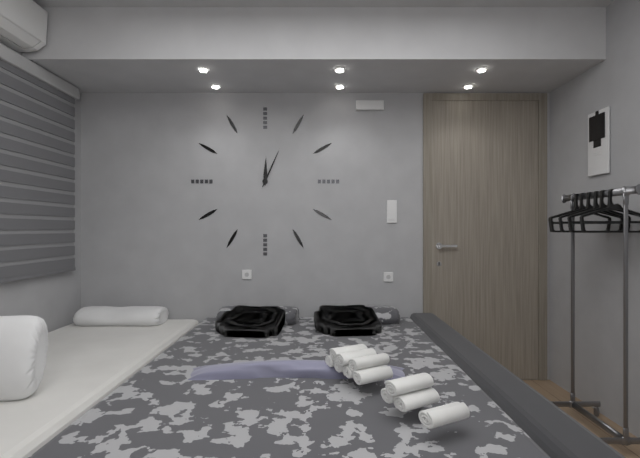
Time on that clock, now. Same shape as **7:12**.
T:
**12:04**
